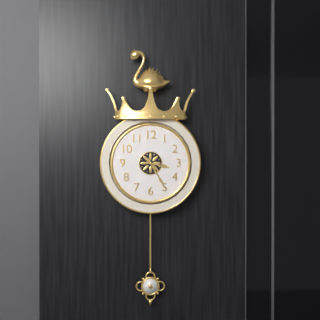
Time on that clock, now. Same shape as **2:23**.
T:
**3:25**
